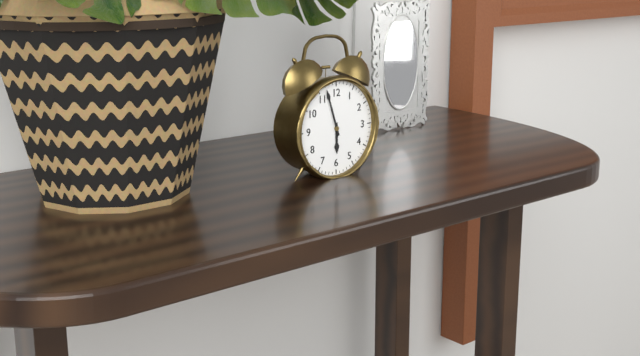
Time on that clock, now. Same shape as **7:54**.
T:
**5:57**
